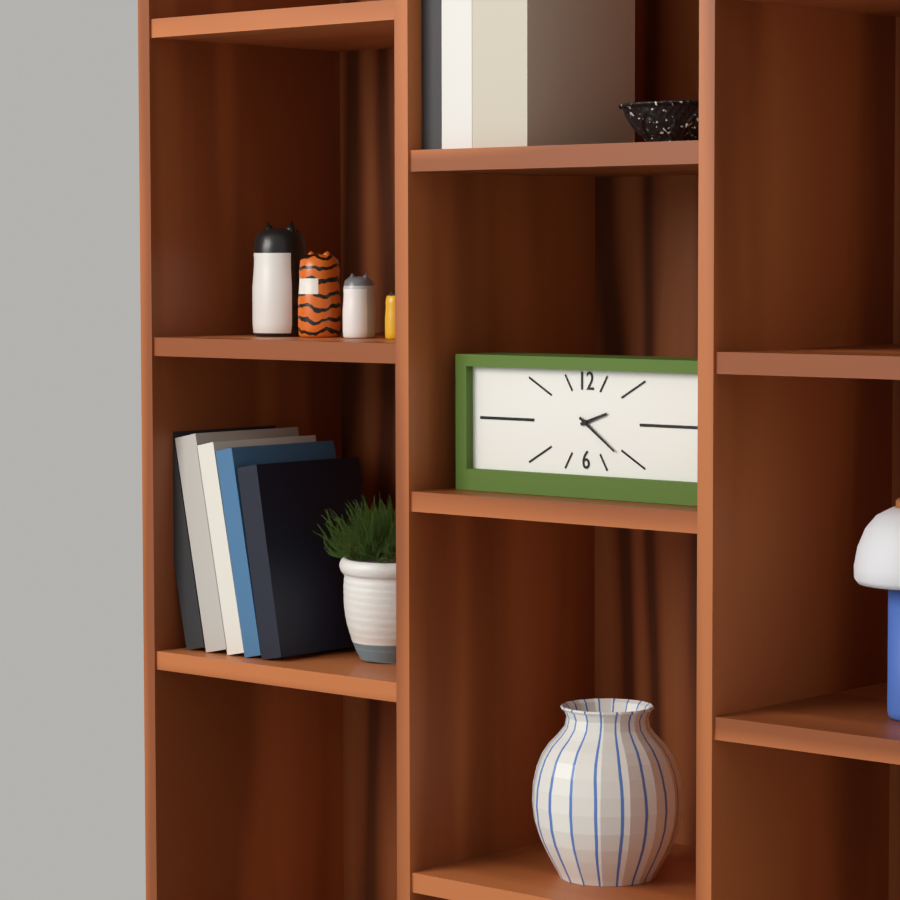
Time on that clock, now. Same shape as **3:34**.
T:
**2:21**
